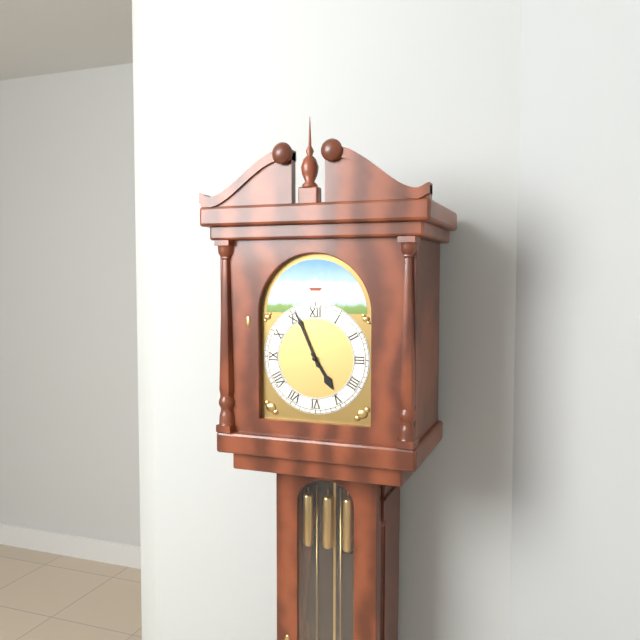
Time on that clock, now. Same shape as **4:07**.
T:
**4:56**
